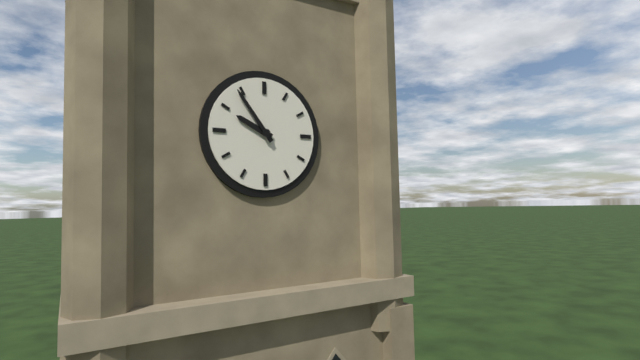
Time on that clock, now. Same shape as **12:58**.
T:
**9:54**
